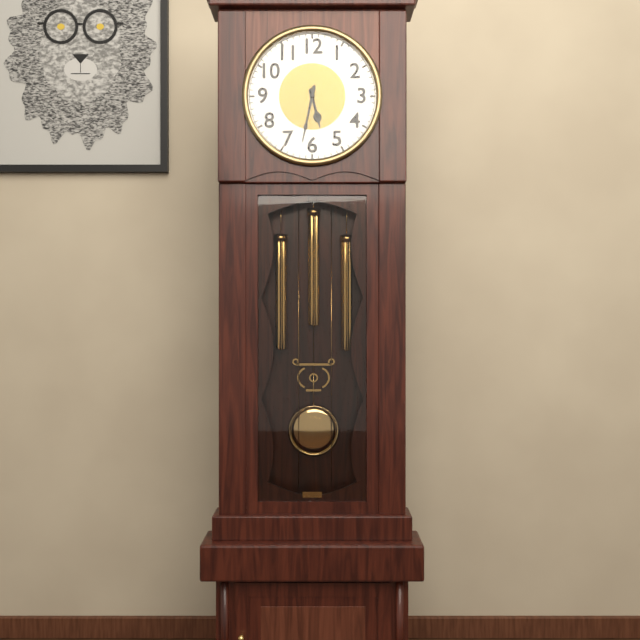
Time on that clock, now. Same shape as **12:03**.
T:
**5:32**
